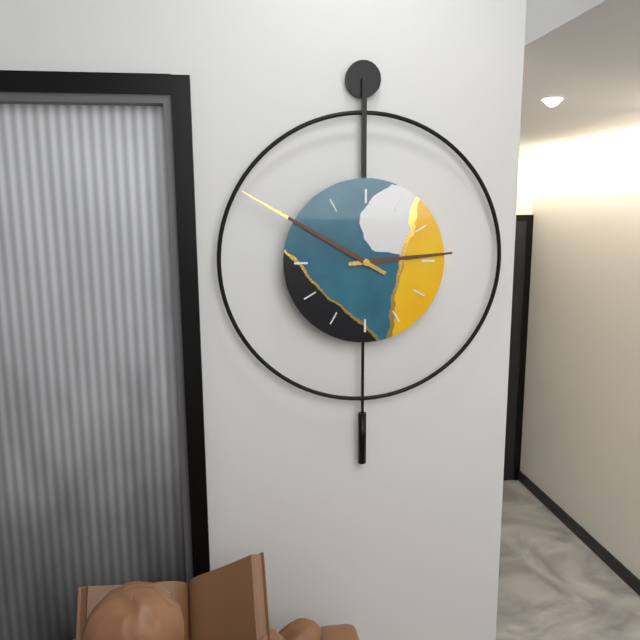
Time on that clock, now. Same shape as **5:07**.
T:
**2:50**
